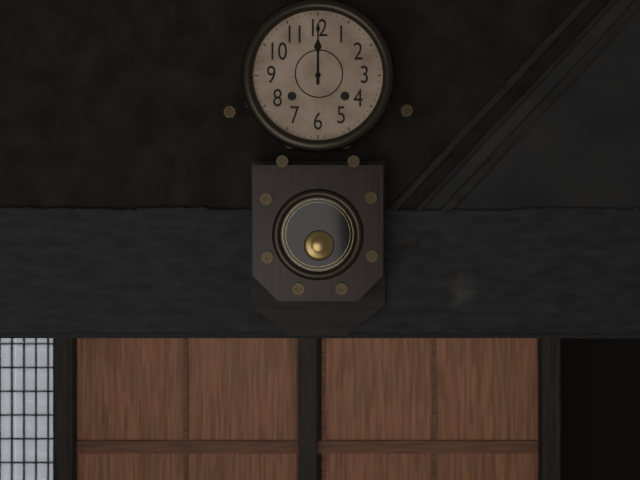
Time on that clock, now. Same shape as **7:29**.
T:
**12:00**
